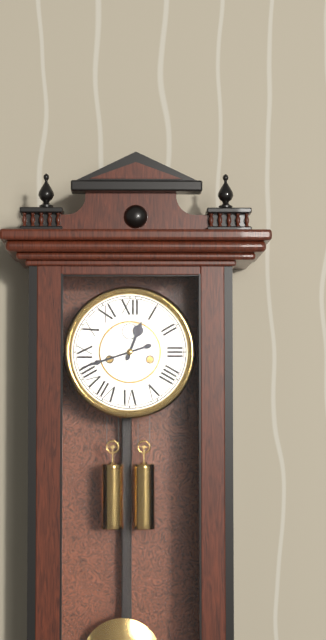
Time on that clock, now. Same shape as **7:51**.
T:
**12:42**
